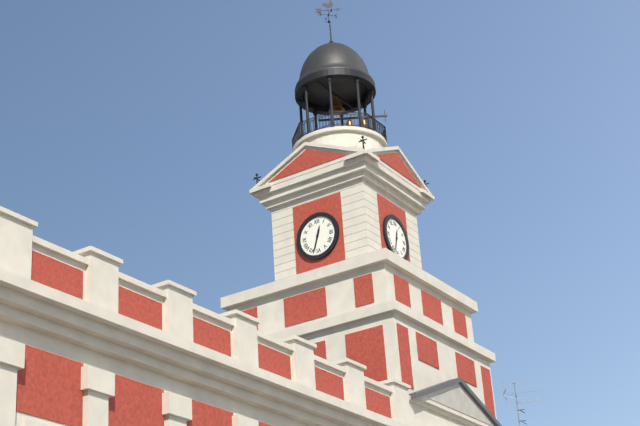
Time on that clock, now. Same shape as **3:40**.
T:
**12:33**
